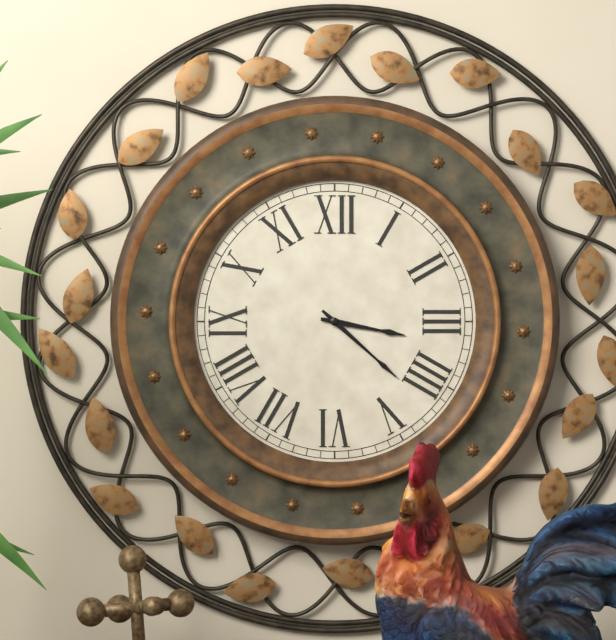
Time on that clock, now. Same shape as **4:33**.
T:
**3:22**
